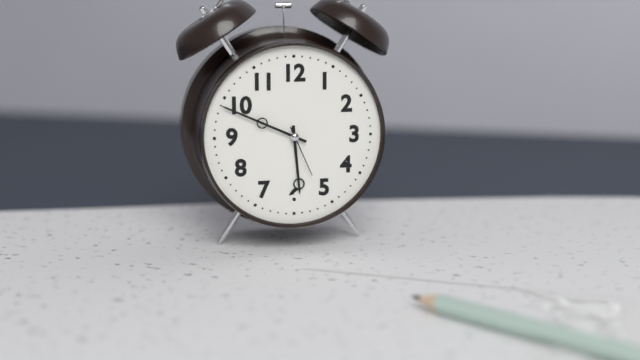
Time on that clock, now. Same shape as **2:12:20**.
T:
**5:49:26**
